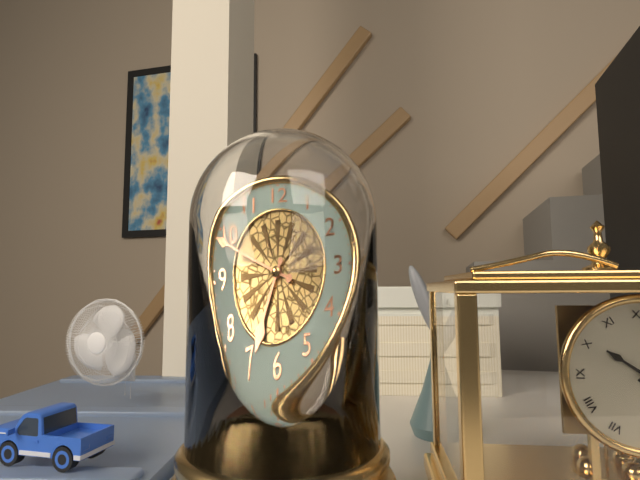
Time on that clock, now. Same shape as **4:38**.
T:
**6:49**
